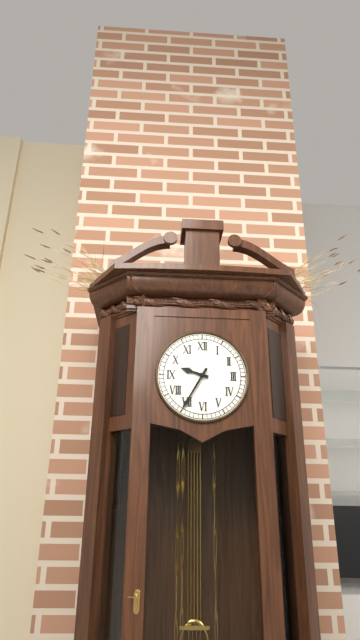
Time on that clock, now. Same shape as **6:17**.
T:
**9:35**
